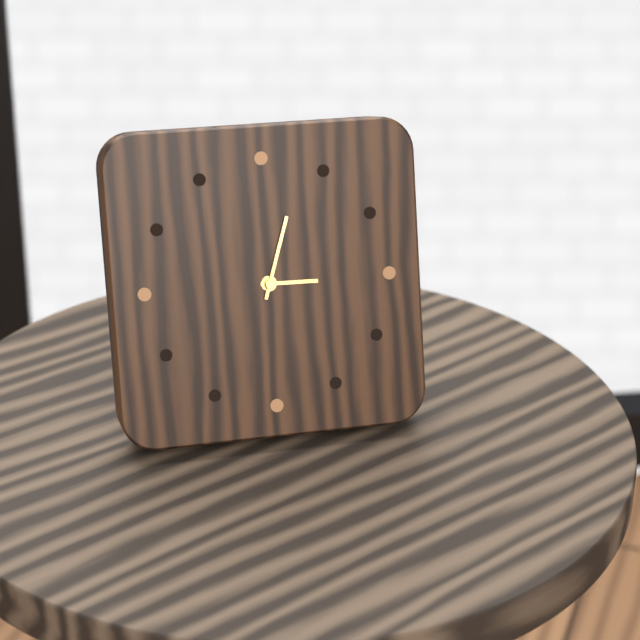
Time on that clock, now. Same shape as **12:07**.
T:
**3:03**
